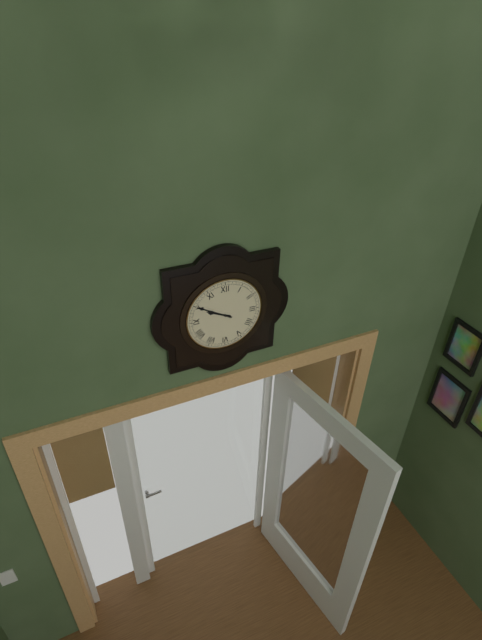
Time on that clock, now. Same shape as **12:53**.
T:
**9:50**
